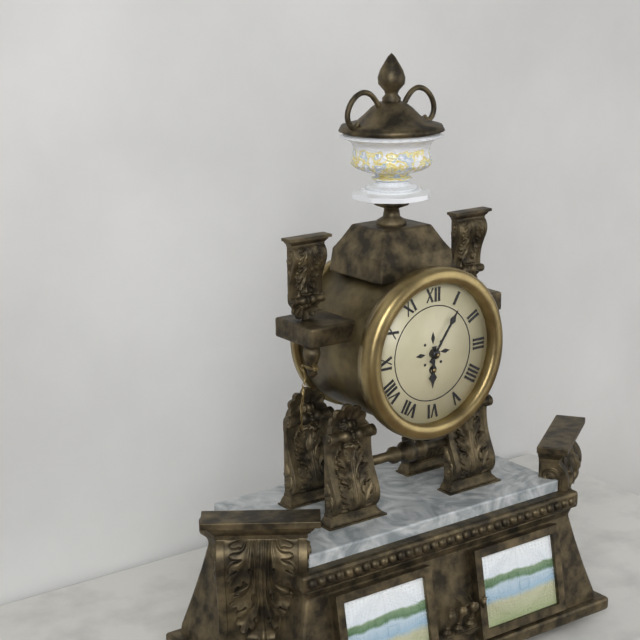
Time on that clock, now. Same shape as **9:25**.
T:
**6:06**
